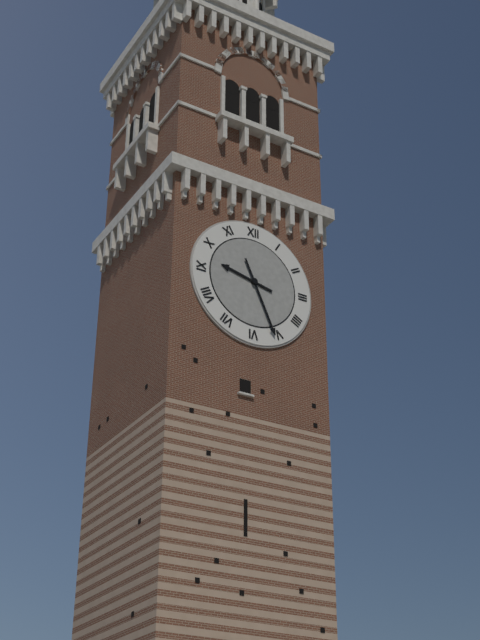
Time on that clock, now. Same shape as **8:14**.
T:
**9:26**
